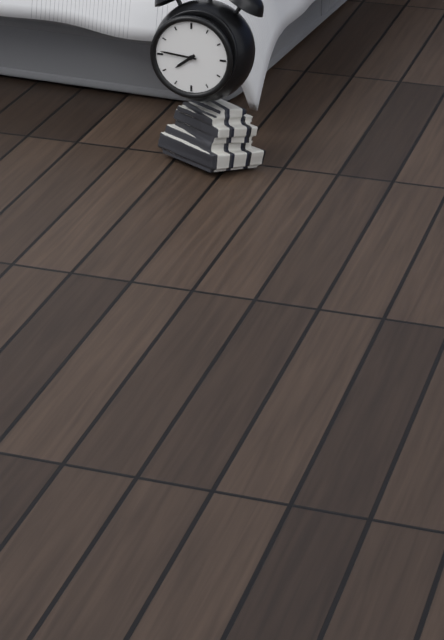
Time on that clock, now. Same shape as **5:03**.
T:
**7:46**
